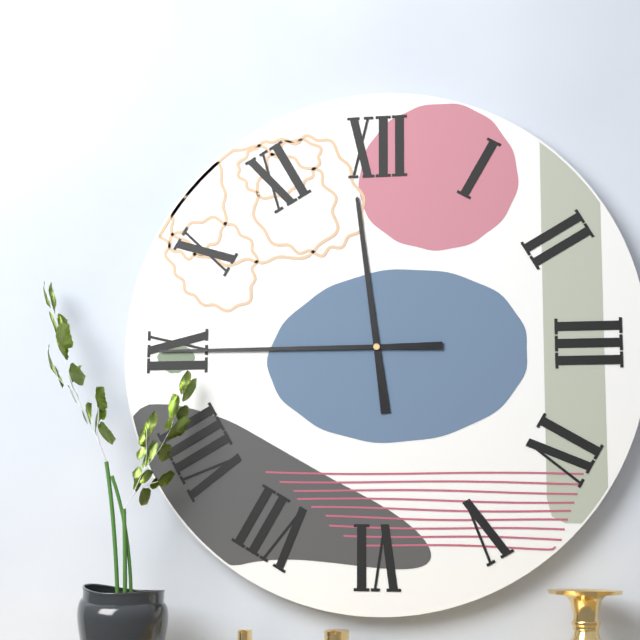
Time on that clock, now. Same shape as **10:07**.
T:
**11:45**
